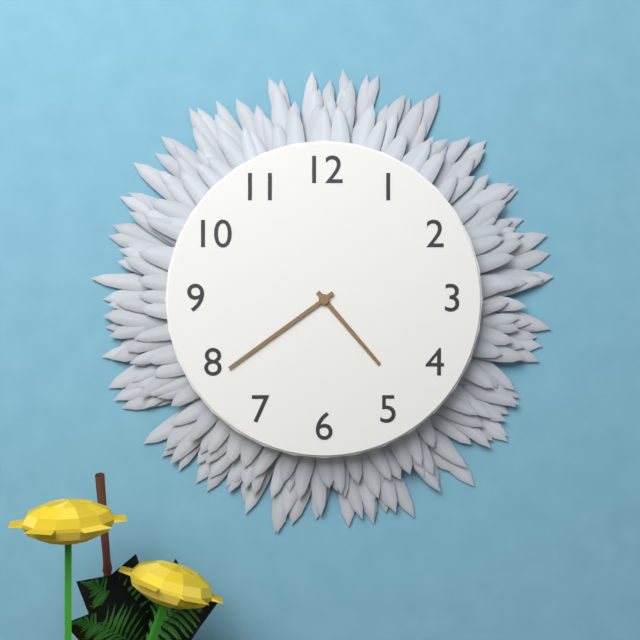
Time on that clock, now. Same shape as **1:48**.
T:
**4:39**
